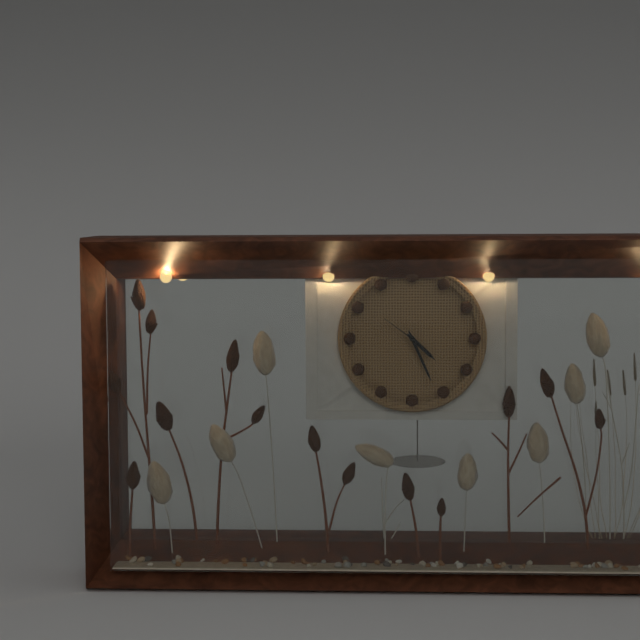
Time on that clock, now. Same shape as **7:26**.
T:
**4:26**
